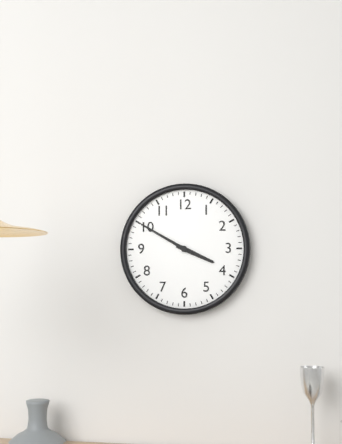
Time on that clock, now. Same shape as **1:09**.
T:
**3:50**
